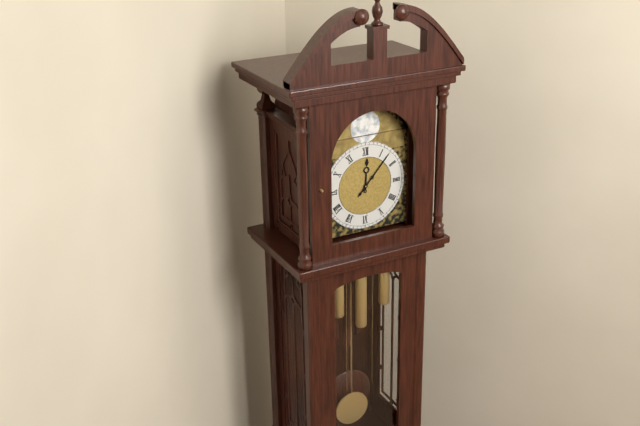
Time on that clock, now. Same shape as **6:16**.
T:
**12:07**
